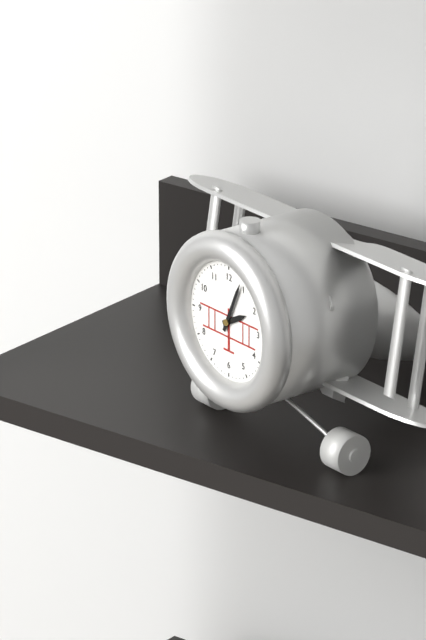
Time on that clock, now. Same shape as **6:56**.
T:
**2:04**
